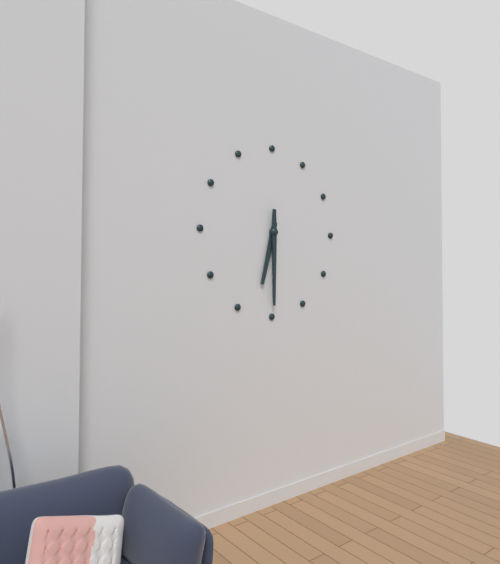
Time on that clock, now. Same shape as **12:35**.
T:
**6:30**
